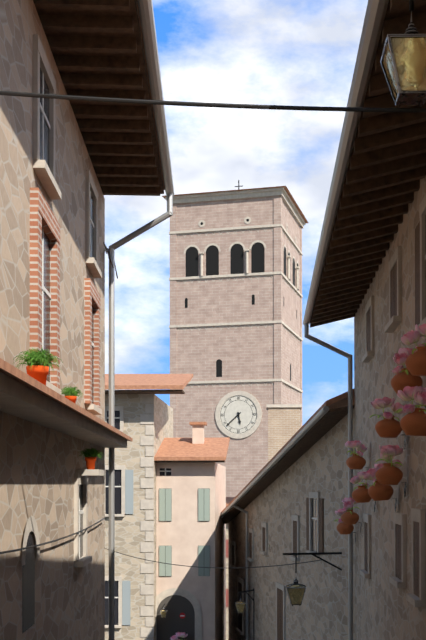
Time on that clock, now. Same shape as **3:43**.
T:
**5:38**
